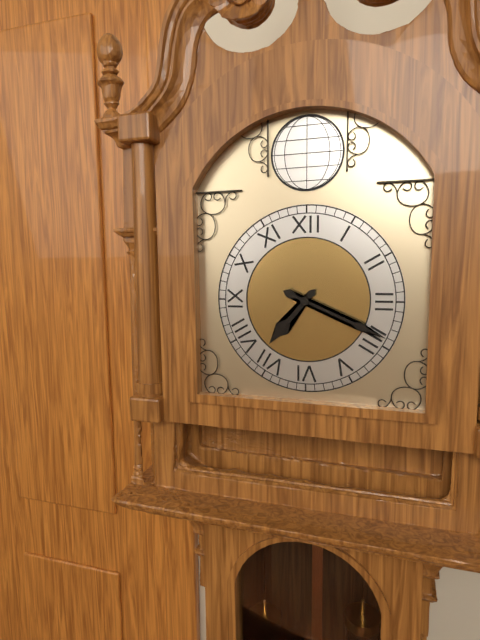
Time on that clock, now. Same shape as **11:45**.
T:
**7:19**
